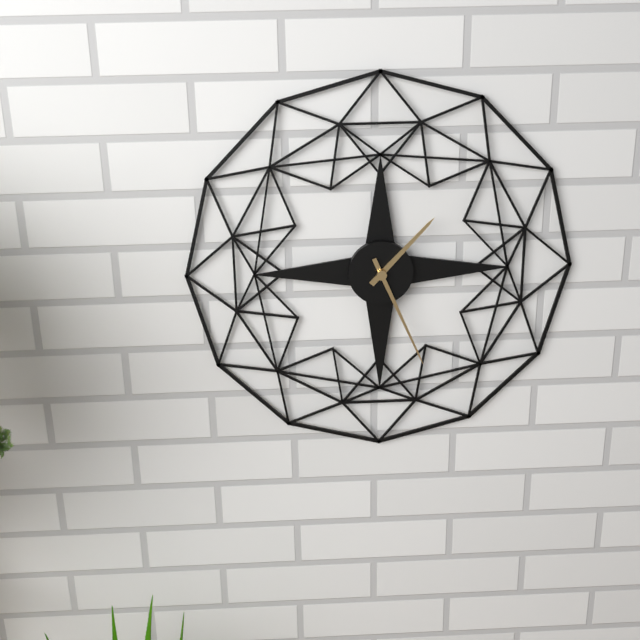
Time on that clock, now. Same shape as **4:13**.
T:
**1:26**
